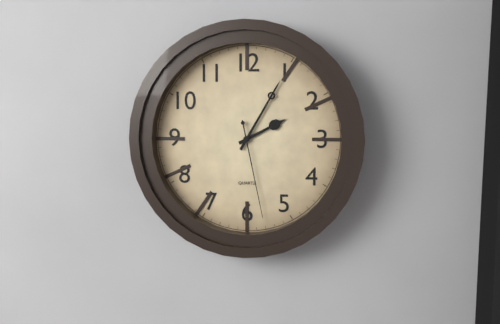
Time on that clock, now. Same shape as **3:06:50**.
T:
**2:05:28**
